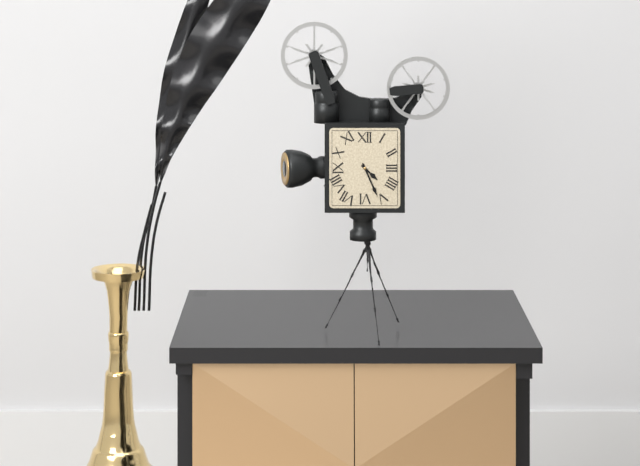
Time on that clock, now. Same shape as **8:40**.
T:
**4:26**
